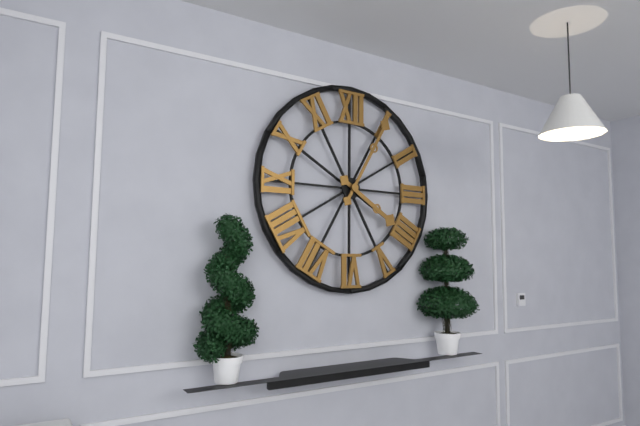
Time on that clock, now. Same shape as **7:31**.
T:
**4:05**
